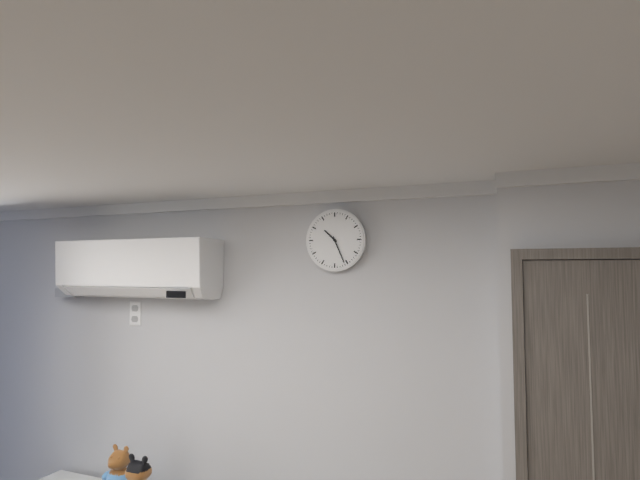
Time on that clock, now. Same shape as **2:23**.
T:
**10:26**
